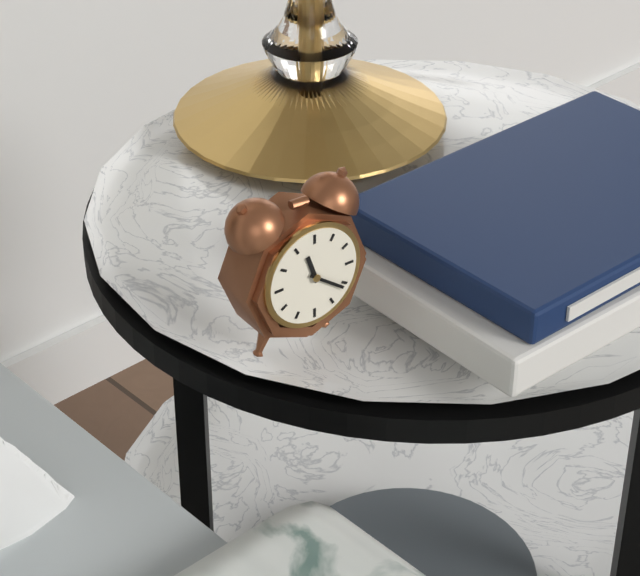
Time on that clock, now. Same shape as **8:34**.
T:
**11:21**
